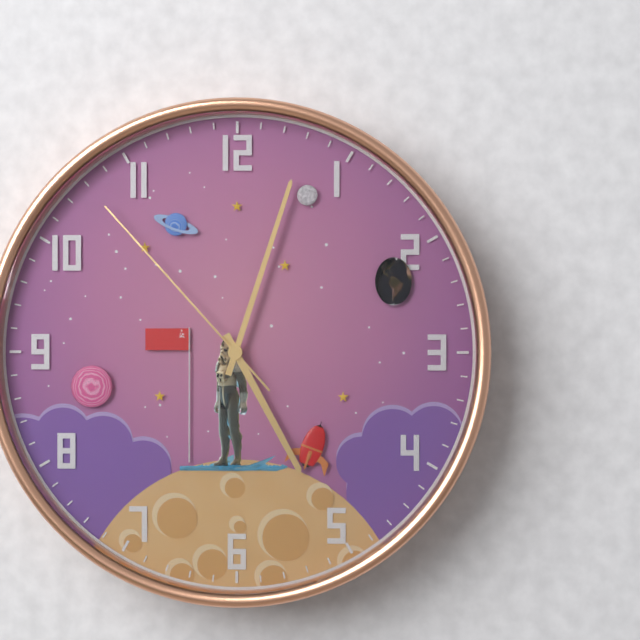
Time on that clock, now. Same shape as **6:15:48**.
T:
**5:03:53**
